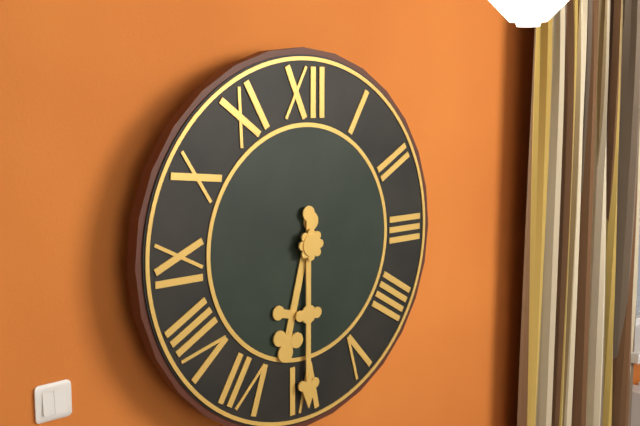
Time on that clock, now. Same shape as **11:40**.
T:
**6:30**
